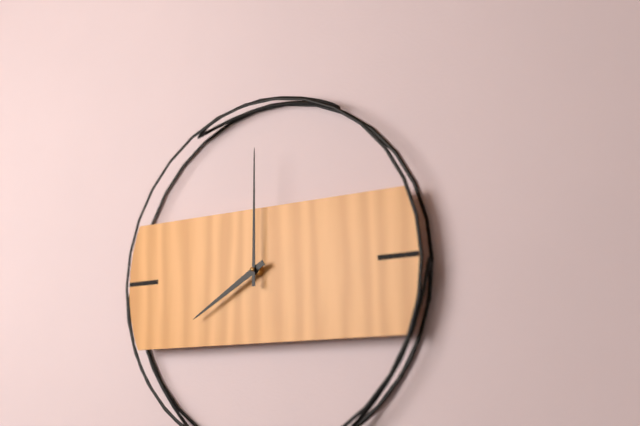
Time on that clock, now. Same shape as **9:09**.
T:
**8:00**
